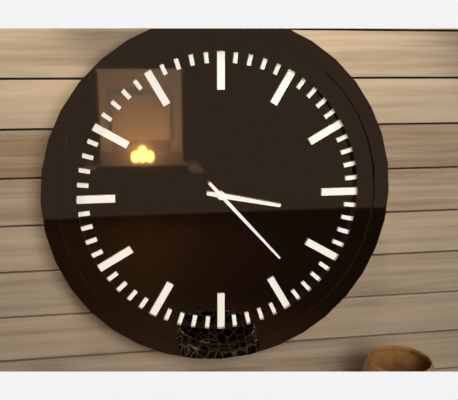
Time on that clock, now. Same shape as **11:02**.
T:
**3:23**
